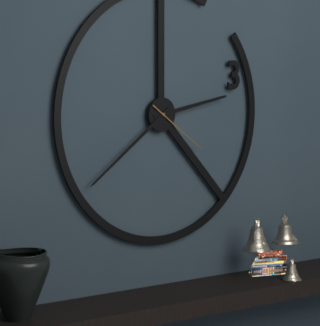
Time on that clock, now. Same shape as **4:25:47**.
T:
**2:39:21**
